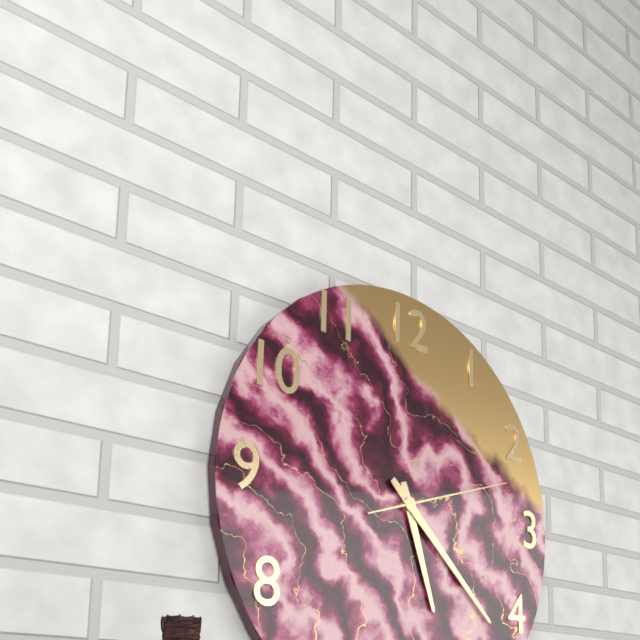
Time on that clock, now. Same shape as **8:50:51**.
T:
**5:22:12**
